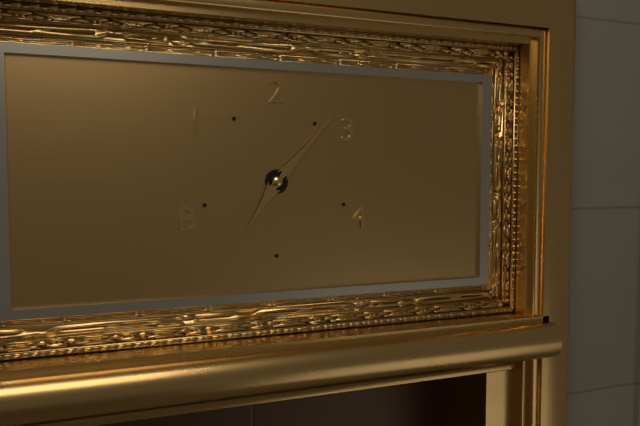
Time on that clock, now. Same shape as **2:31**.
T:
**7:07**
